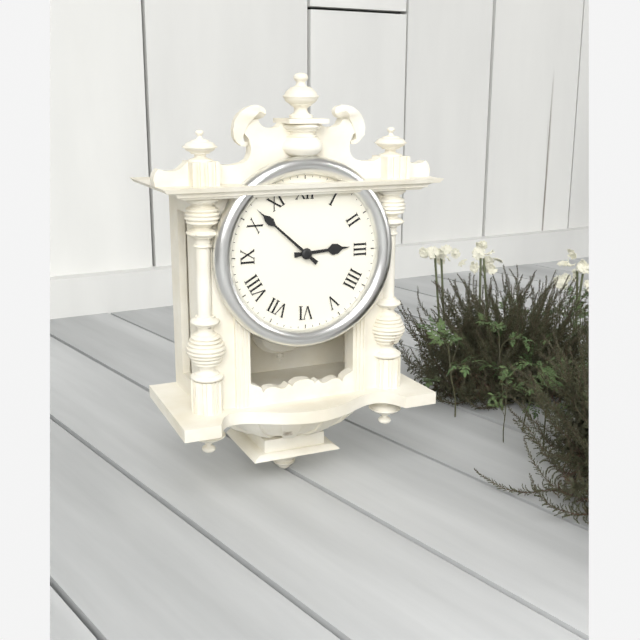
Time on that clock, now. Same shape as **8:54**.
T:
**2:52**
